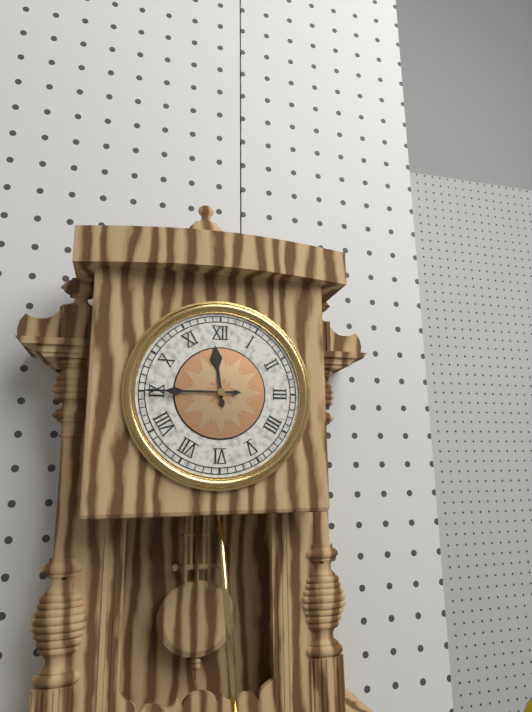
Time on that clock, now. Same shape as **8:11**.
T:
**11:45**
